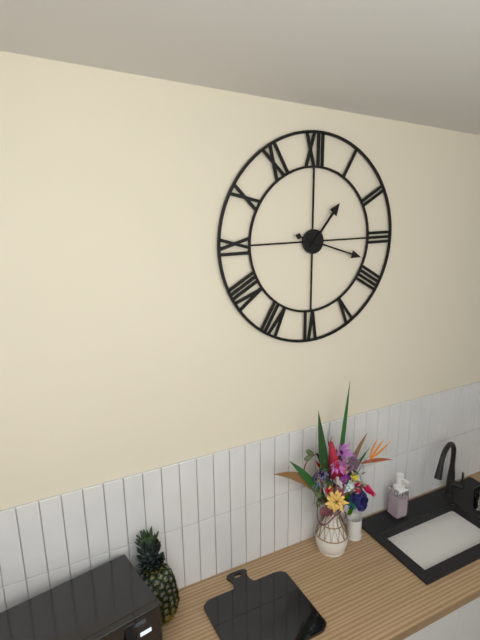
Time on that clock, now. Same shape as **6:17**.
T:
**1:18**
